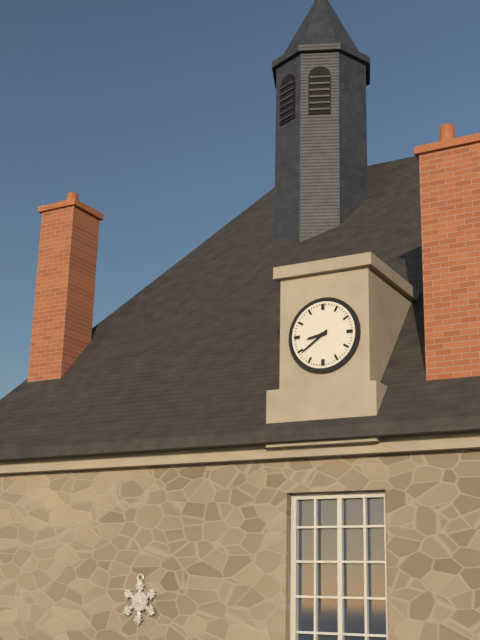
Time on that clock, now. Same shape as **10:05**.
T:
**8:39**
